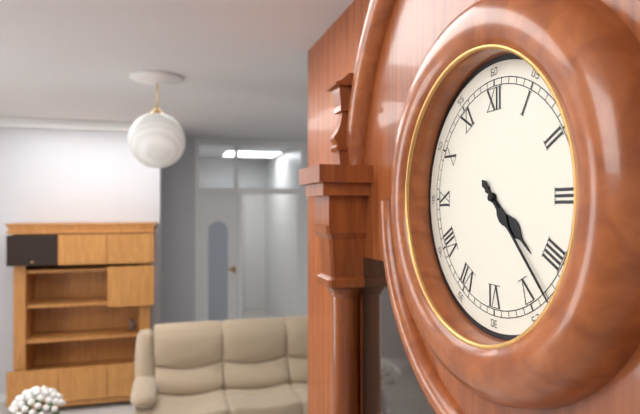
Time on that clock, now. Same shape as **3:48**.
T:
**4:23**
